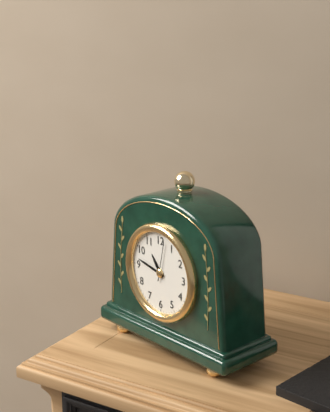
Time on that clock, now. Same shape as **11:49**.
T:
**10:47**
